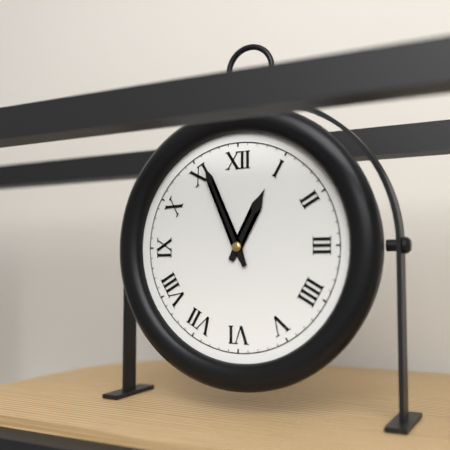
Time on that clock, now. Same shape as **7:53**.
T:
**12:56**
